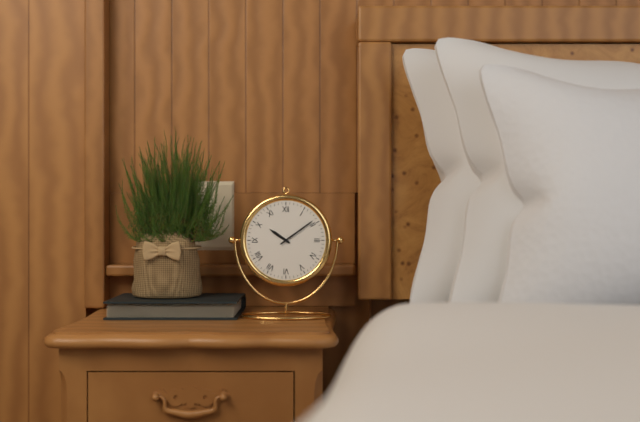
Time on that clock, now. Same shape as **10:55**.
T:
**10:09**
